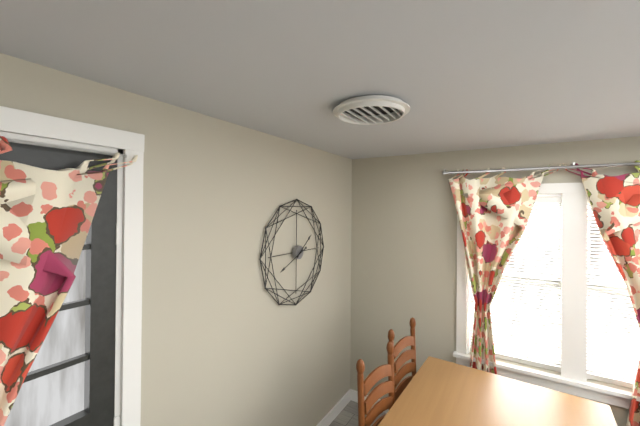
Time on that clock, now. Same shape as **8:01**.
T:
**1:41**
